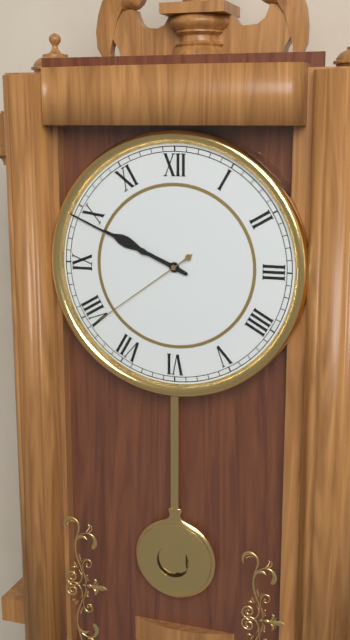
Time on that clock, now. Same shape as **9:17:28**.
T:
**9:49:39**
